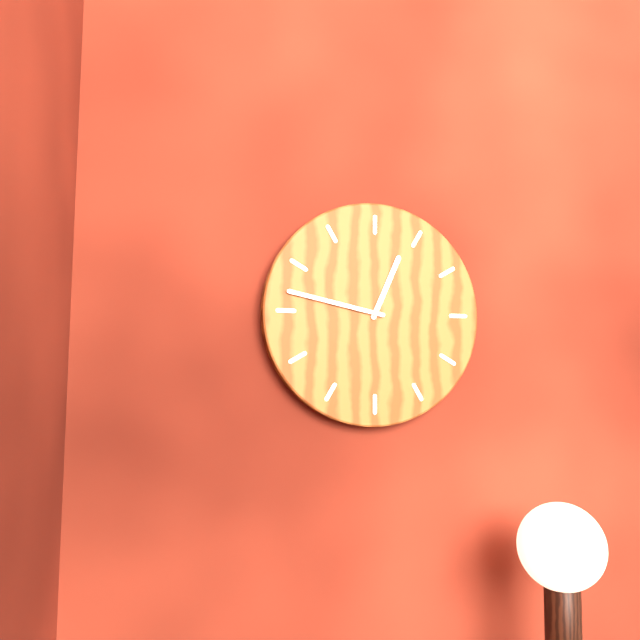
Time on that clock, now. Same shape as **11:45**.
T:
**12:47**
